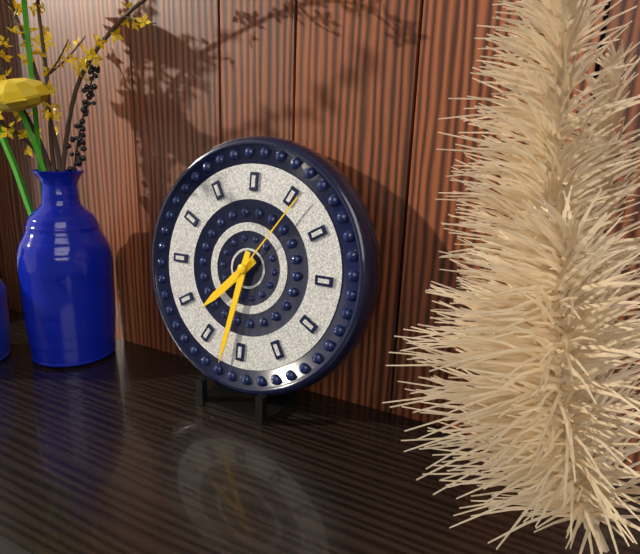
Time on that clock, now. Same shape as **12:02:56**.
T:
**7:32:06**
